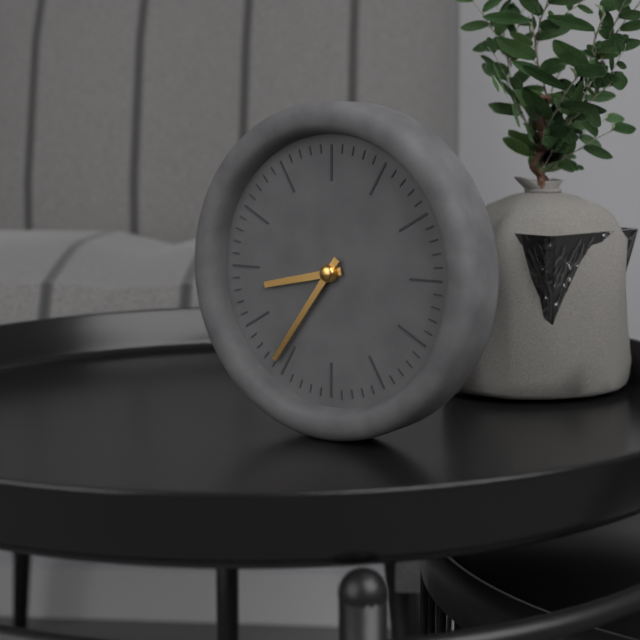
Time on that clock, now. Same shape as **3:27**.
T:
**8:36**
